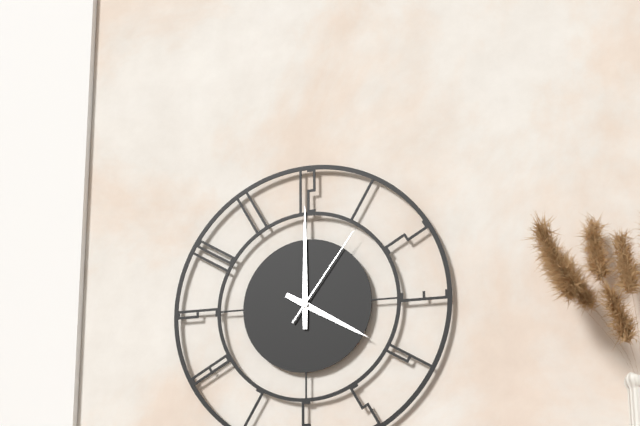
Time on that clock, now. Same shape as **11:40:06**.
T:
**4:00:06**
